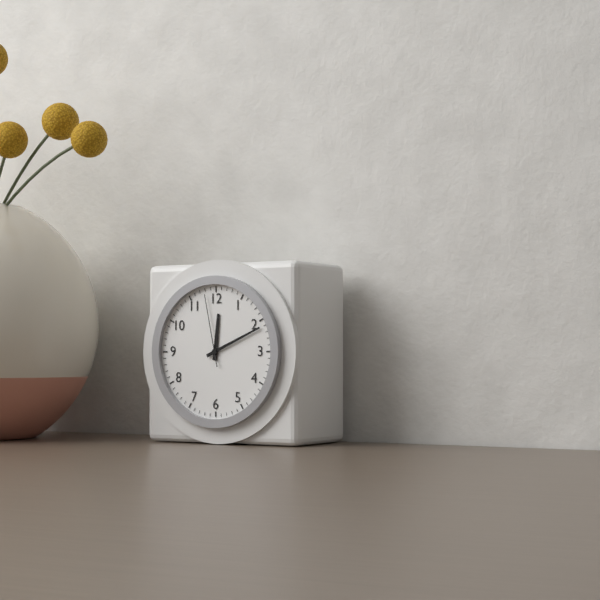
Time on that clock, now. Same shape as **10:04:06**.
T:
**12:11:58**
